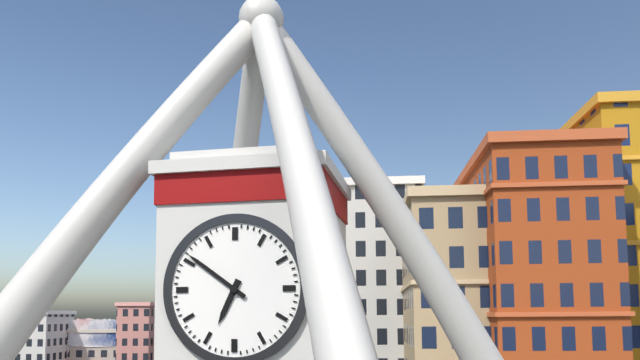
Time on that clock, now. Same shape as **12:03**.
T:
**6:51**
